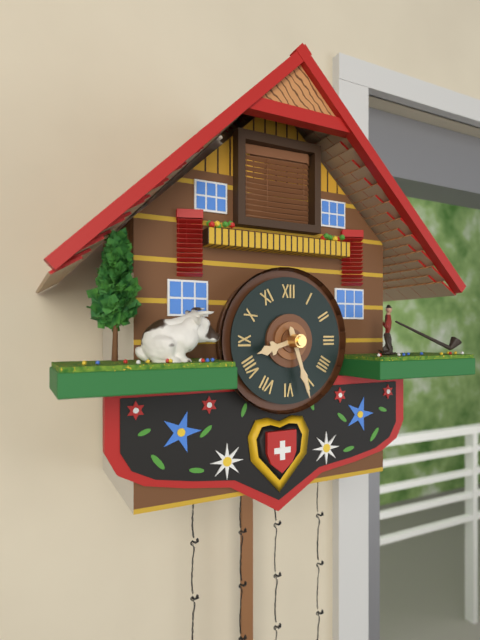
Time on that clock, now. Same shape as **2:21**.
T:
**8:27**
